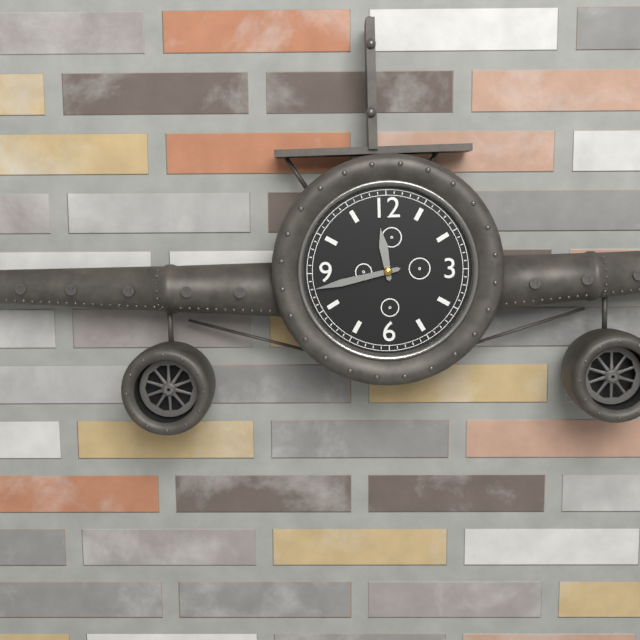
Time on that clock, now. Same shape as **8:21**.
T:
**11:43**
